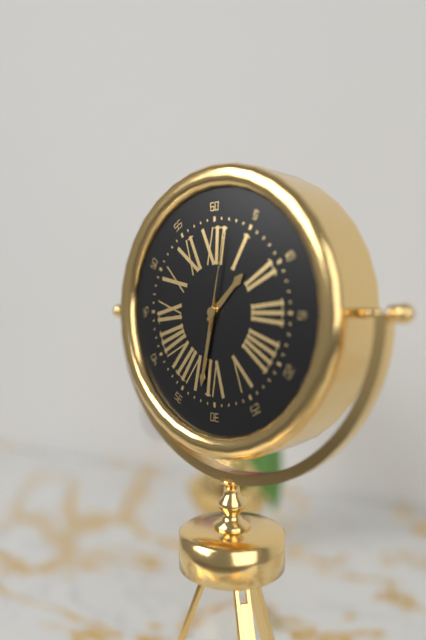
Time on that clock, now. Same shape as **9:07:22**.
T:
**1:32:02**
